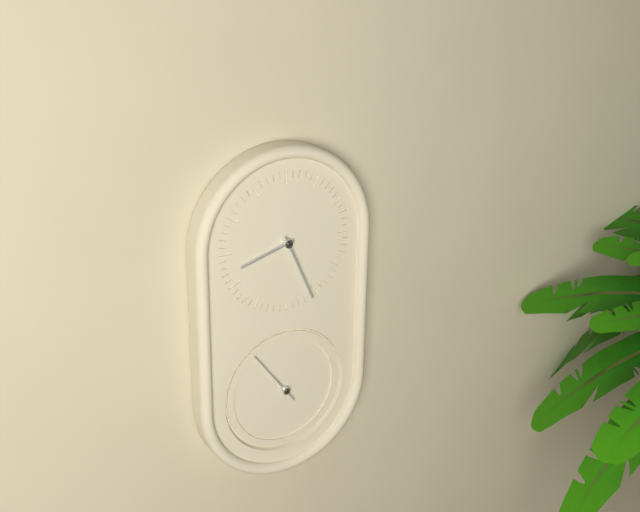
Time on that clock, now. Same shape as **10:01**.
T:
**8:26**
